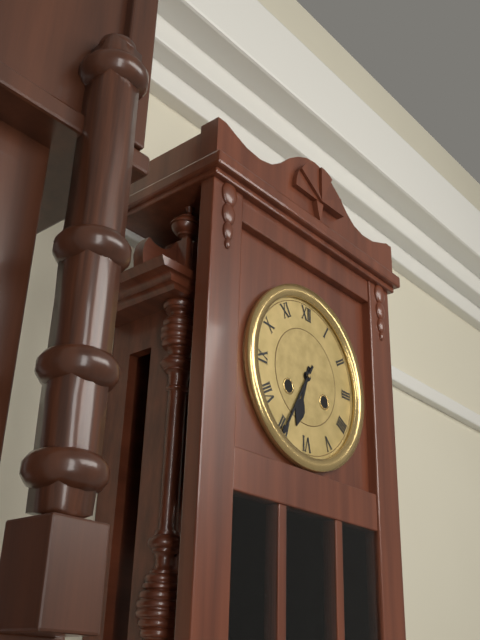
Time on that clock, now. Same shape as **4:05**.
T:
**6:35**
